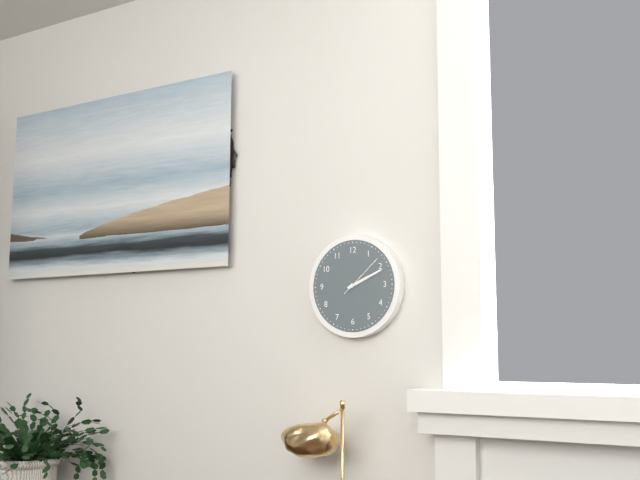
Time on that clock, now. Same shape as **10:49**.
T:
**2:11**
